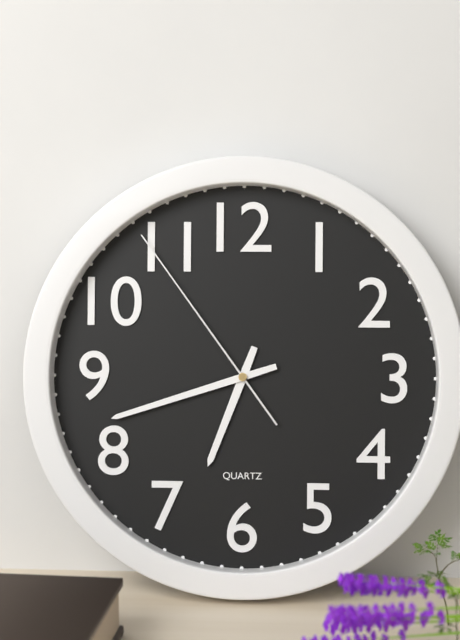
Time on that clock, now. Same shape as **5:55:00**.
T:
**6:42:54**
